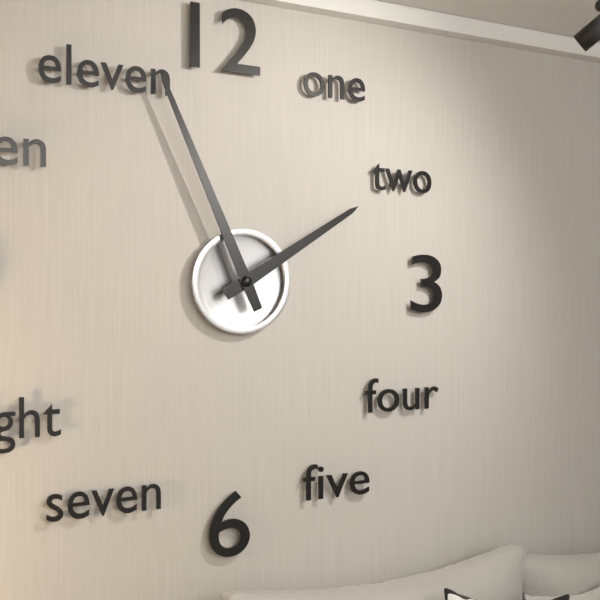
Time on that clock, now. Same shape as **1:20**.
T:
**1:56**
